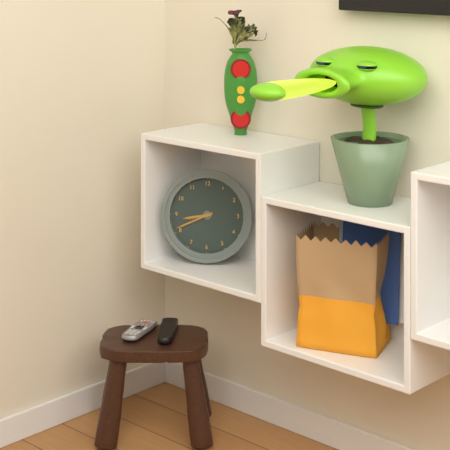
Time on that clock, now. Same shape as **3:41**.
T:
**8:41**
